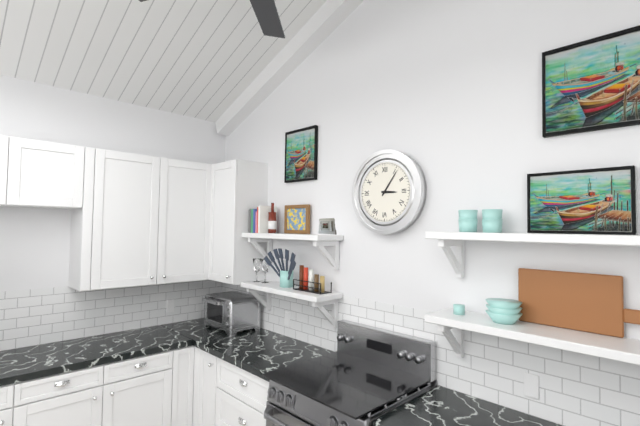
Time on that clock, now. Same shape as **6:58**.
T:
**3:06**
